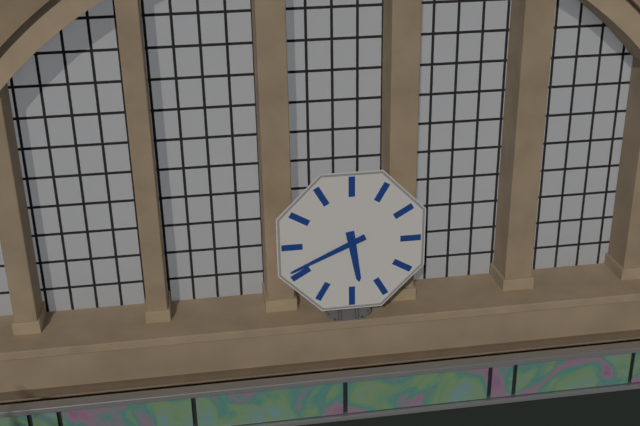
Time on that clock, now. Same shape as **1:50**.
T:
**5:41**
